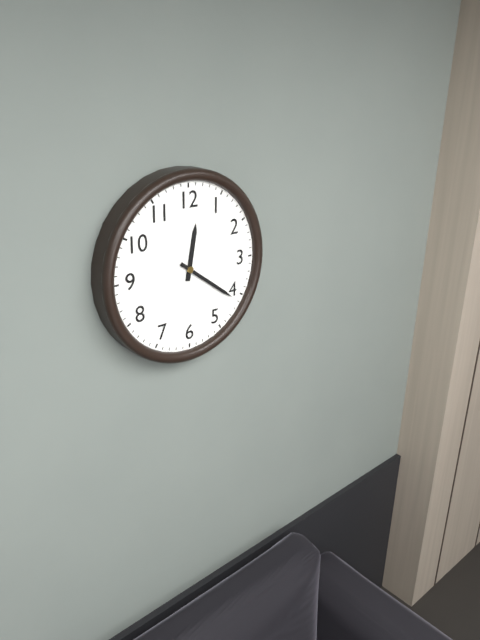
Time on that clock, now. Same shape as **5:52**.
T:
**12:21**
